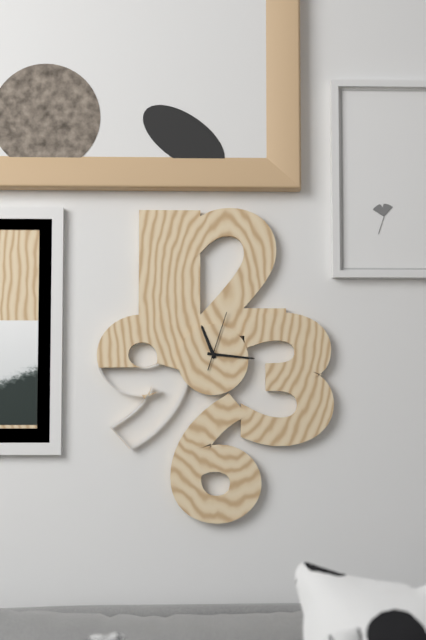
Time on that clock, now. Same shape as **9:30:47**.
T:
**11:16:03**
